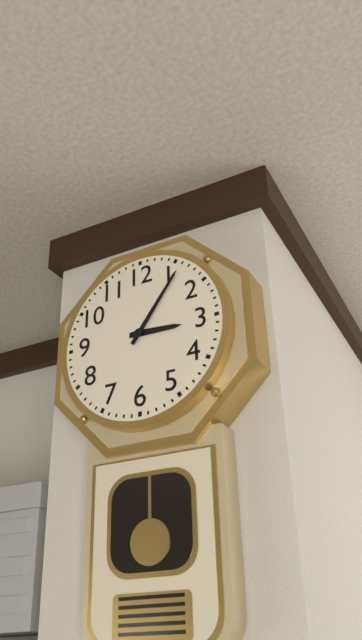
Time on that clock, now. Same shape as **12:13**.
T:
**3:06**
